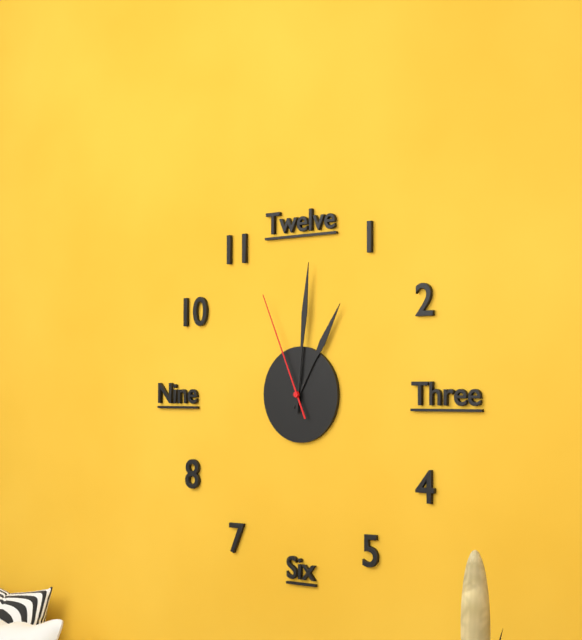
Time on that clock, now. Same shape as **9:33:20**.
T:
**1:01:56**
